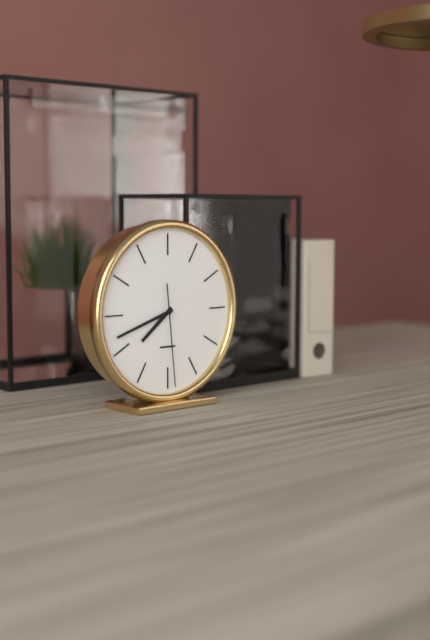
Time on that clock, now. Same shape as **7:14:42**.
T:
**7:42:29**
